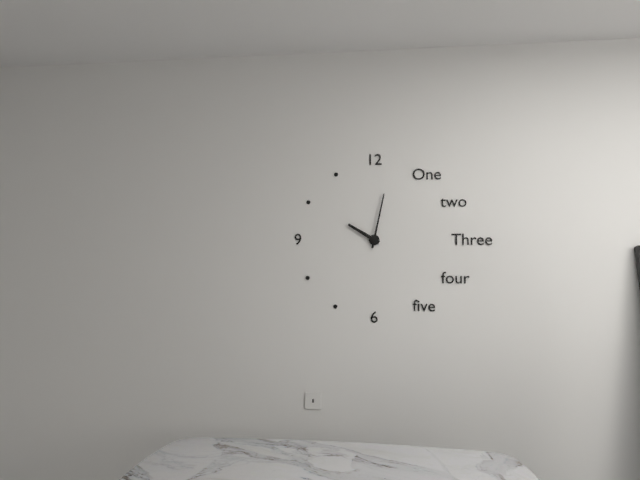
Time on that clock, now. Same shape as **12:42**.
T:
**10:02**
